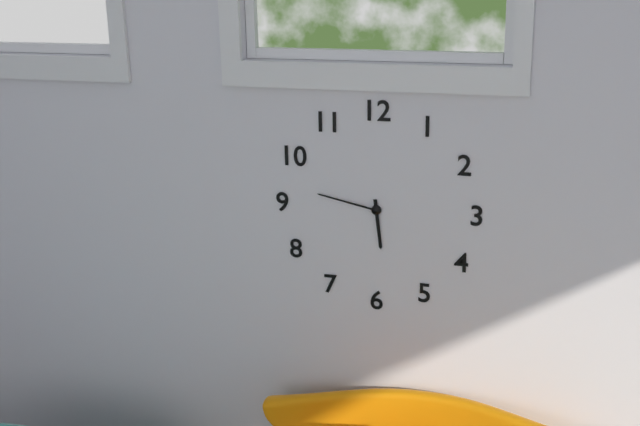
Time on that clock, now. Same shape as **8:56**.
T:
**5:47**
